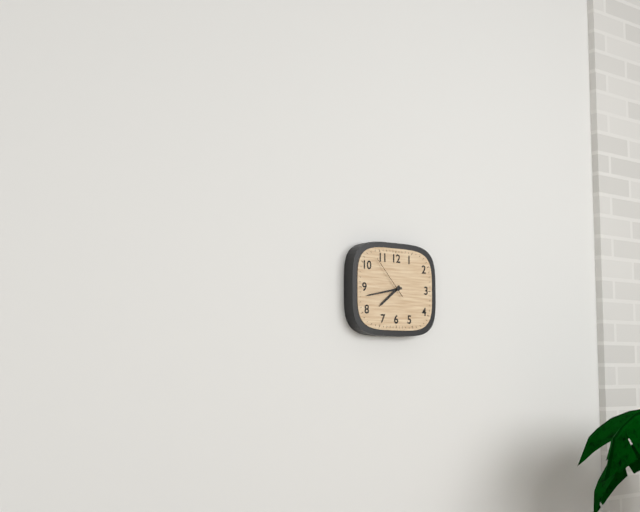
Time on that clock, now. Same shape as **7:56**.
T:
**7:43**
